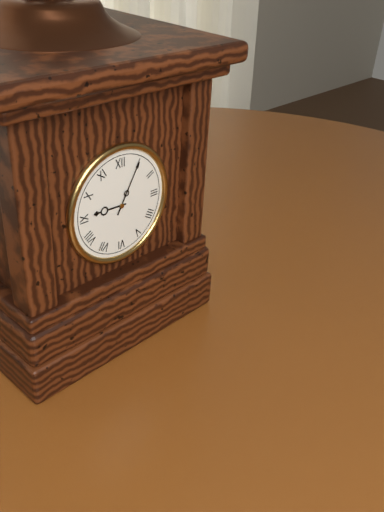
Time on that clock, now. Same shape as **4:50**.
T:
**9:05**
